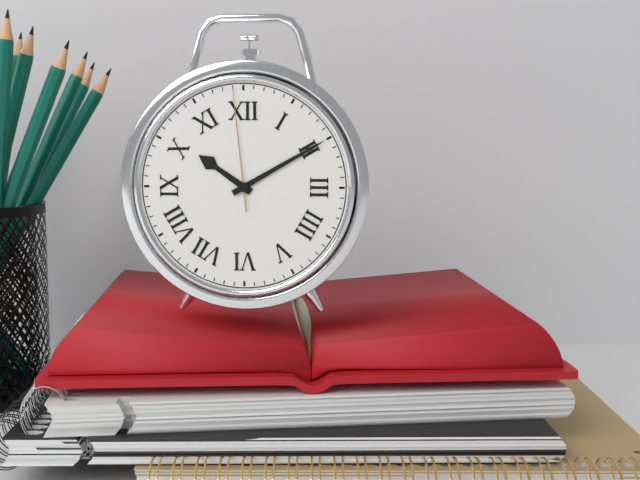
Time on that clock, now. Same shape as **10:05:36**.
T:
**10:10:59**
